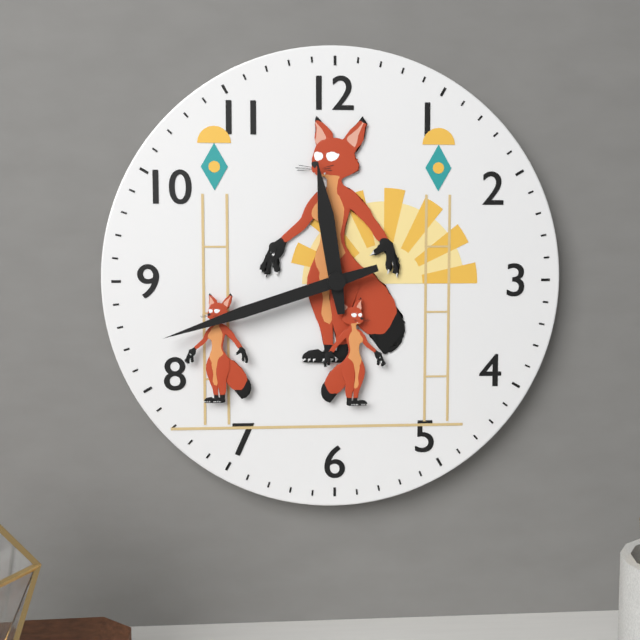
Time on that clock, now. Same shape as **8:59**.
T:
**11:42**
